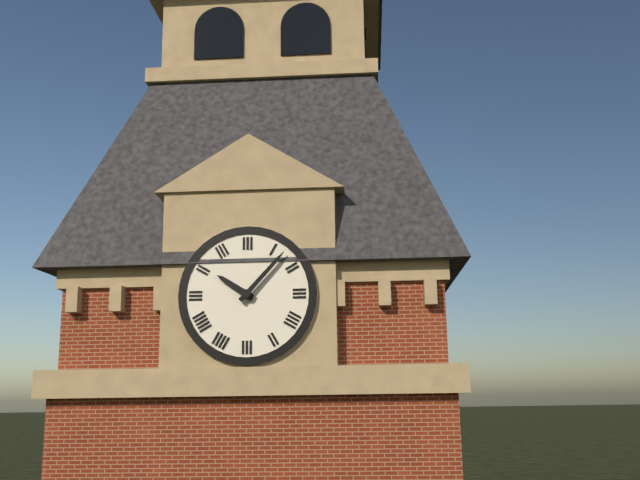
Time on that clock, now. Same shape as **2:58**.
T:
**10:07**
